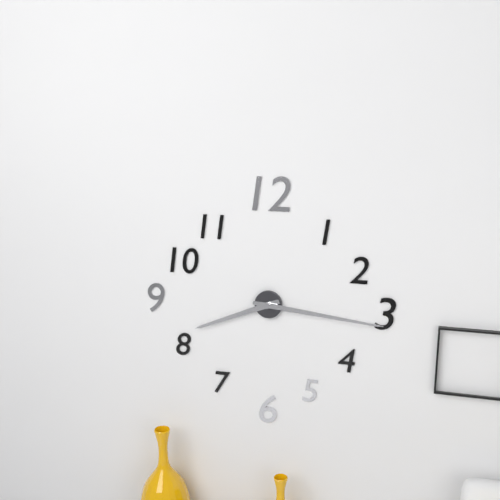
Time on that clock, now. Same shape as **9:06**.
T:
**8:16**
